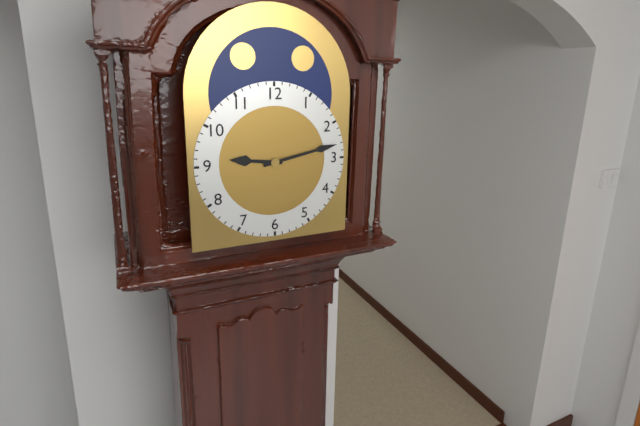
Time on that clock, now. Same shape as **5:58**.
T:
**9:13**
